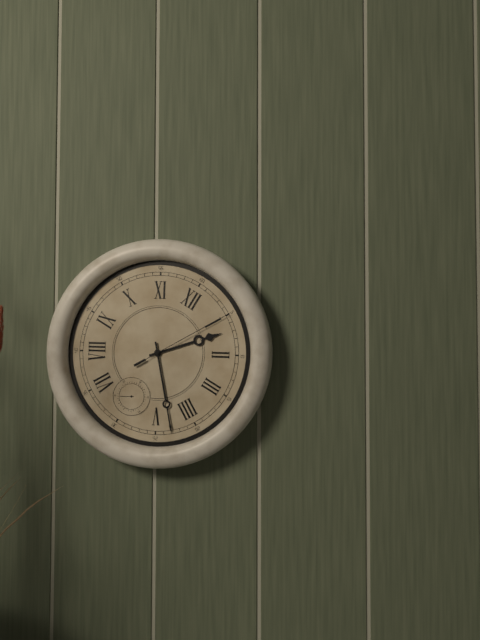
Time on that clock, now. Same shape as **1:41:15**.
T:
**1:23:05**
